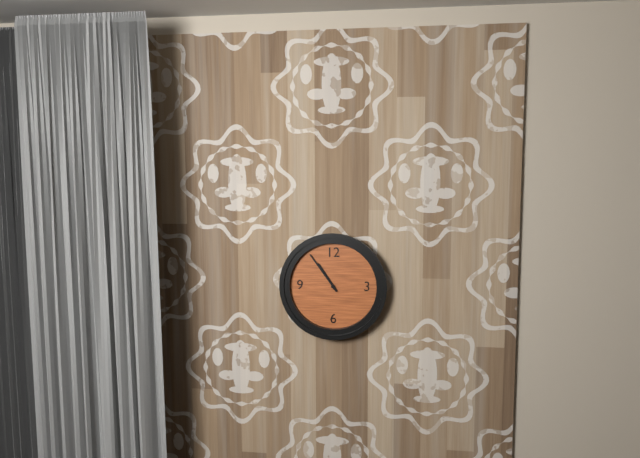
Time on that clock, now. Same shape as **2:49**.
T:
**10:54**
